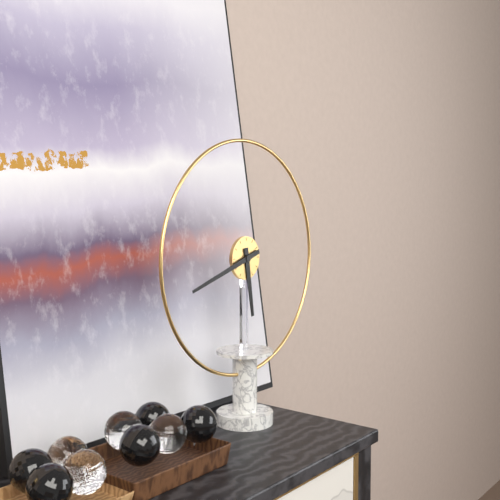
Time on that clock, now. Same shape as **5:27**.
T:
**5:42**
